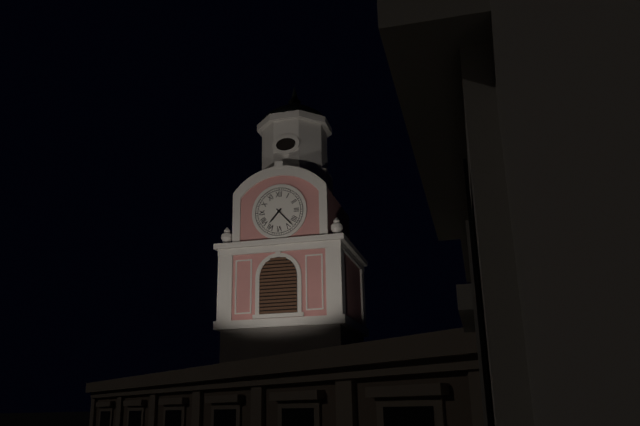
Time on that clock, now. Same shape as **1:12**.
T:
**7:23**
